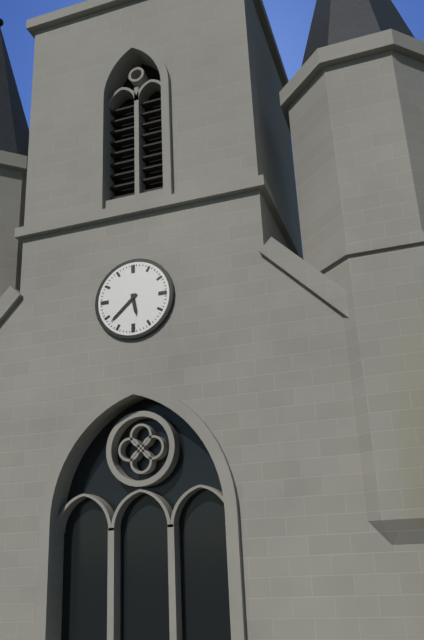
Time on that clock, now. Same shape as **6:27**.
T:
**5:38**
